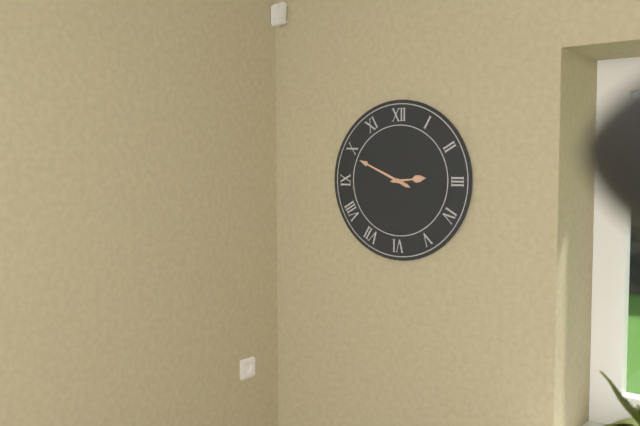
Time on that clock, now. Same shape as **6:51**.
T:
**2:49**
